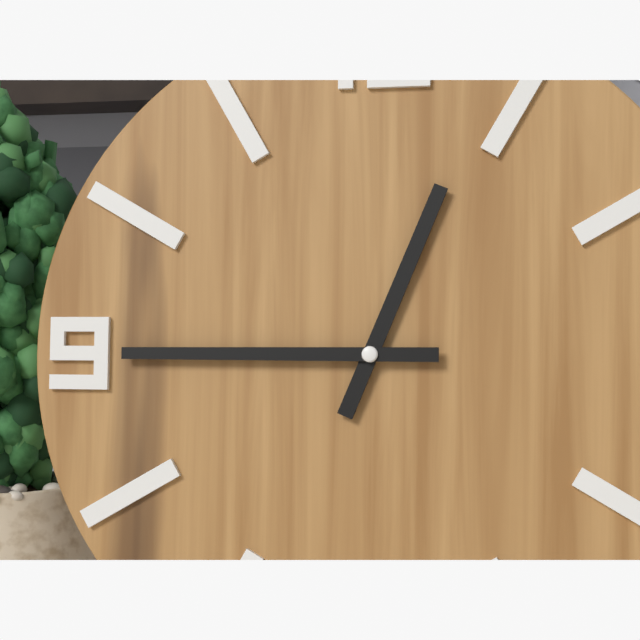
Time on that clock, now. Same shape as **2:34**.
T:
**12:45**
